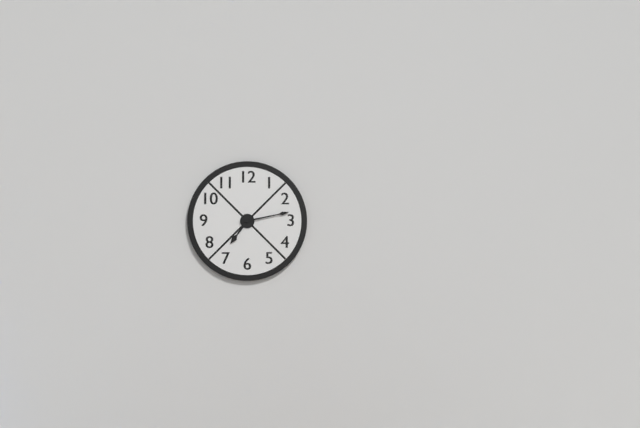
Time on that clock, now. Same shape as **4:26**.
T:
**7:13**
